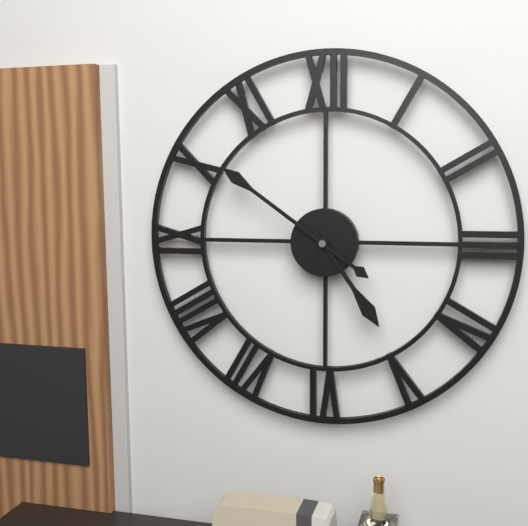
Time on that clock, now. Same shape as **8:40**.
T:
**4:51**
